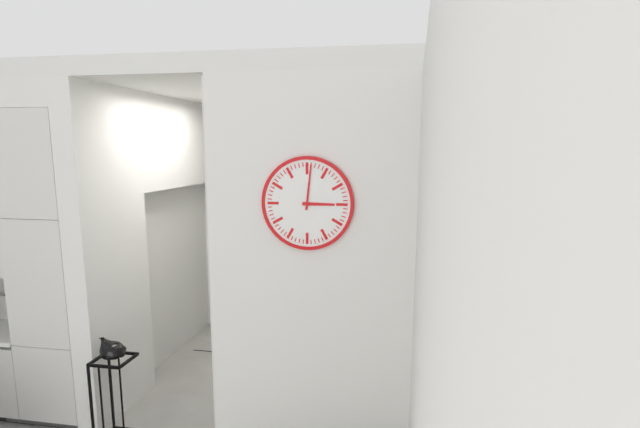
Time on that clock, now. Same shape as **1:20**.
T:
**3:01**
